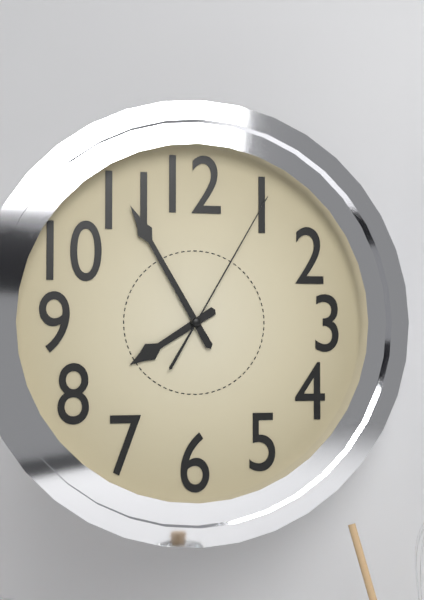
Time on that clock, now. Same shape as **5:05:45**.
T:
**7:55:05**
